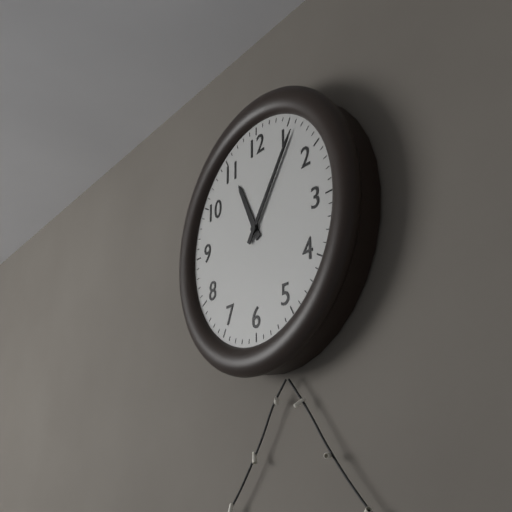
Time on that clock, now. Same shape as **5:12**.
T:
**11:06**
